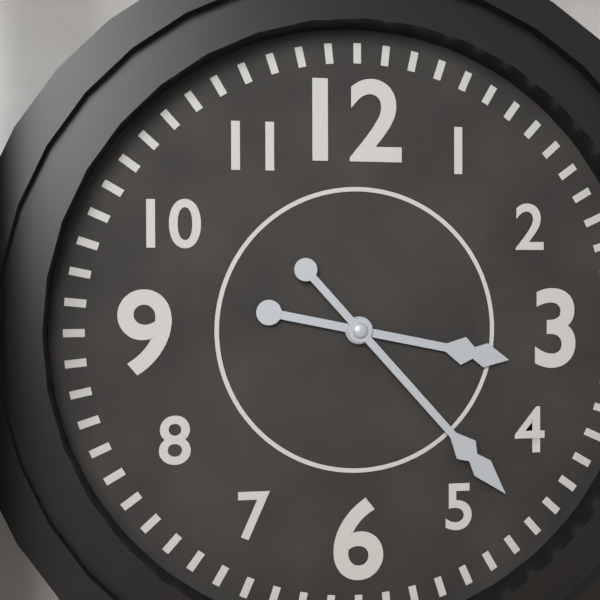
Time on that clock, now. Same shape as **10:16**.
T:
**3:23**
